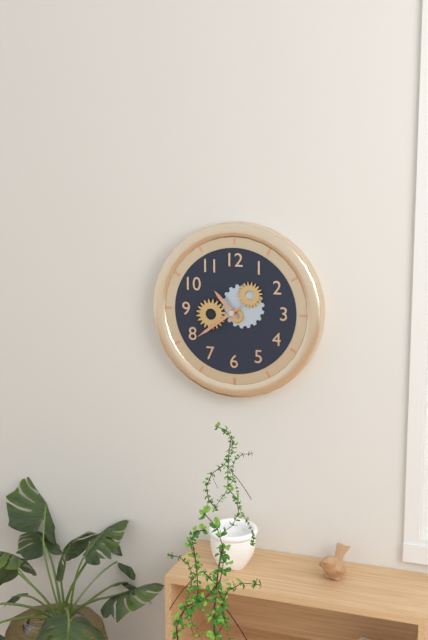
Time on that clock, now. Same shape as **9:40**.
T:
**10:39**
